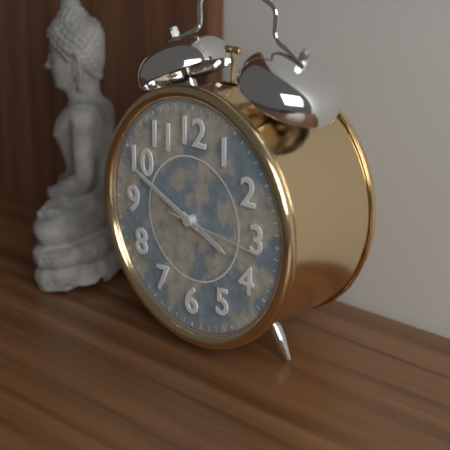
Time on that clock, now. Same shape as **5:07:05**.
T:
**3:49:16**
